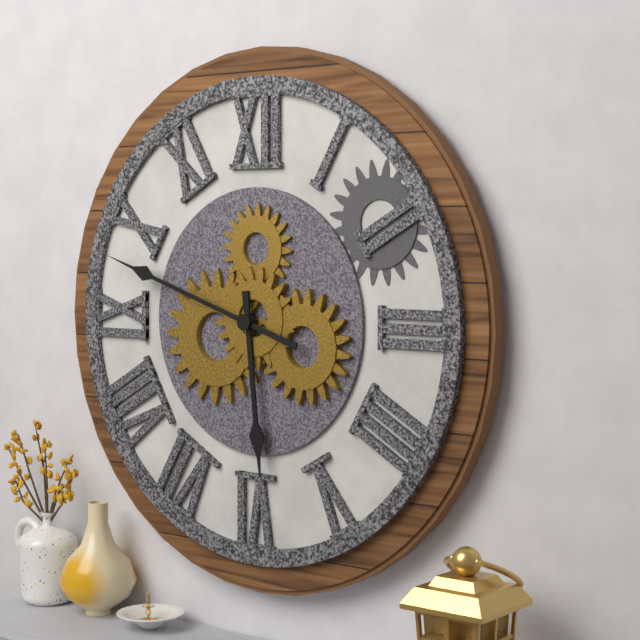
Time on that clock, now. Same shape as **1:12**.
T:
**5:48**
